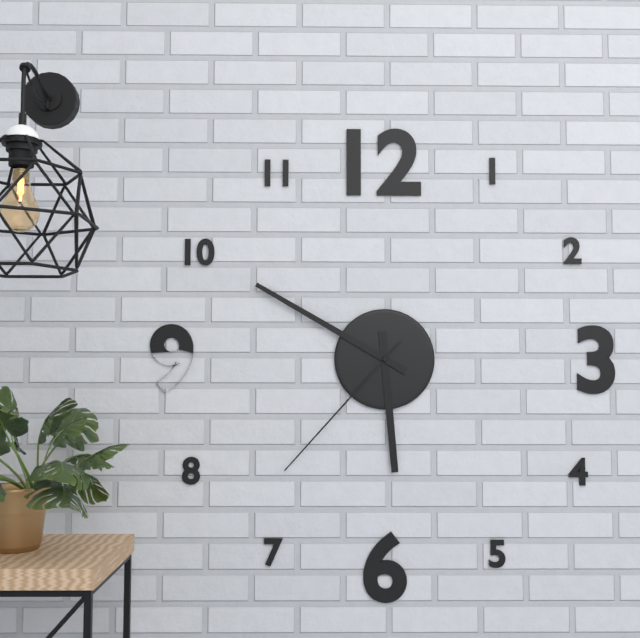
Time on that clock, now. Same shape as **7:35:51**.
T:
**5:50:37**
